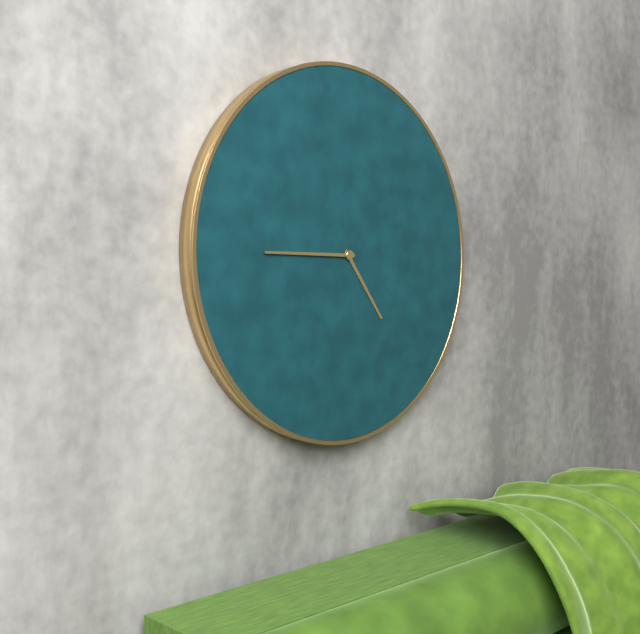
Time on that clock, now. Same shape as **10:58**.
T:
**4:45**
